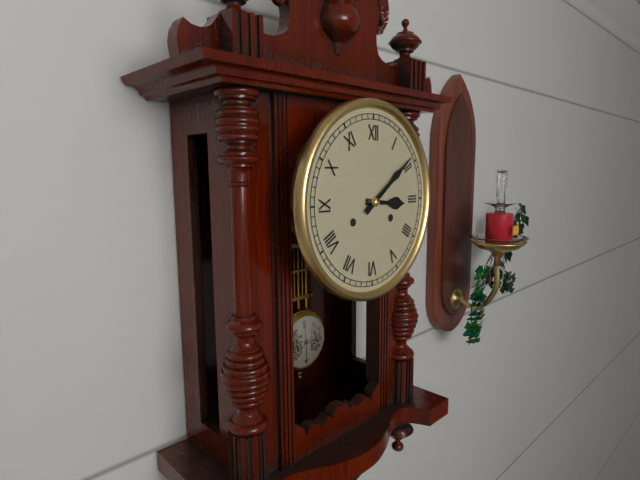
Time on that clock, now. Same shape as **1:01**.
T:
**3:09**
